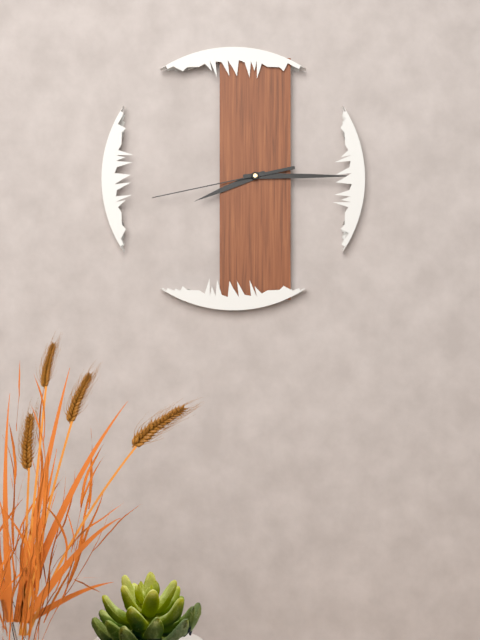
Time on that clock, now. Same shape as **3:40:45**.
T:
**8:15:43**
